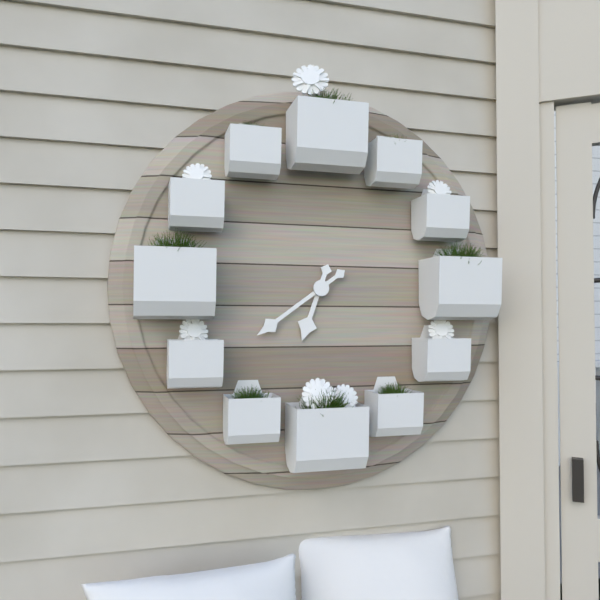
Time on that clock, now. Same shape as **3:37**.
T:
**6:39**
